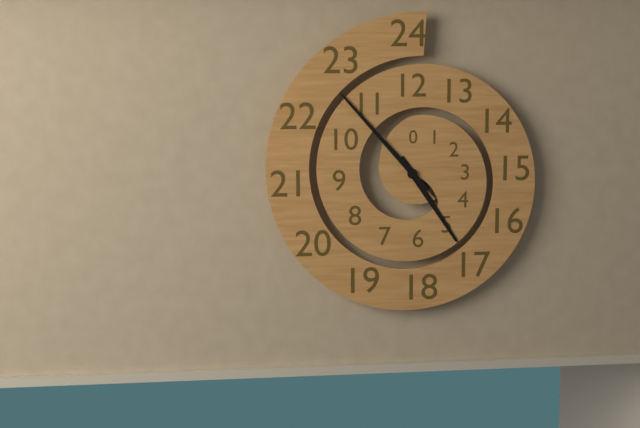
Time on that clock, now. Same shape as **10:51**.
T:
**4:53**
